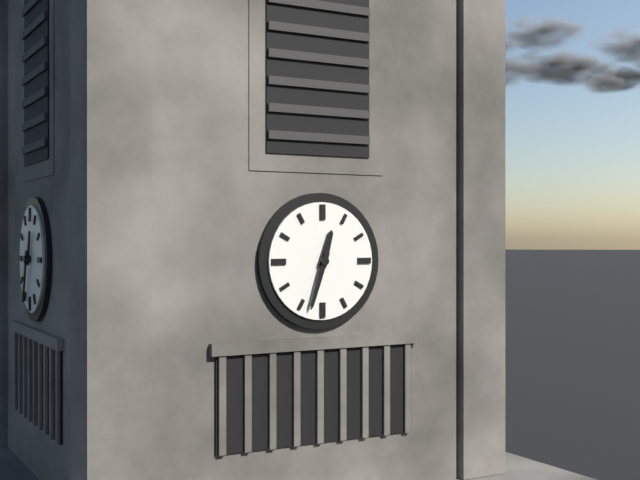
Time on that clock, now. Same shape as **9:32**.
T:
**12:33**
